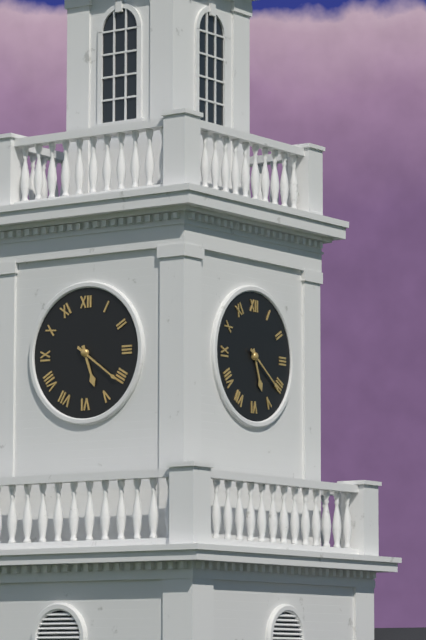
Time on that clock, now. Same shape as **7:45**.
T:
**5:21**
